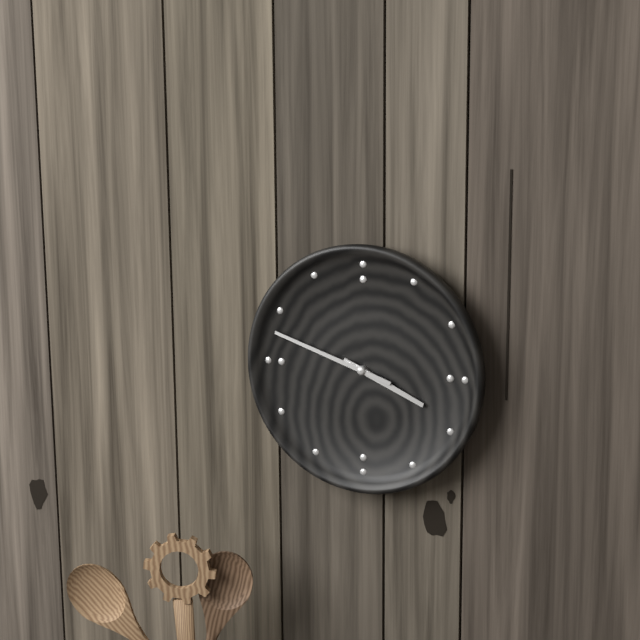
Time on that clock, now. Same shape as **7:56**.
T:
**3:48**
